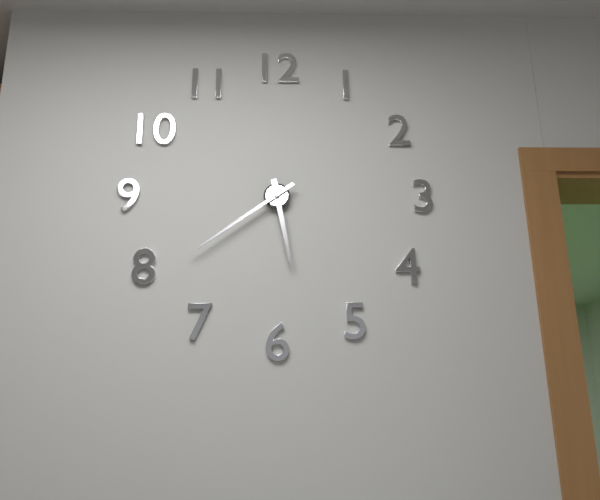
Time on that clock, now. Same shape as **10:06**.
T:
**5:39**
